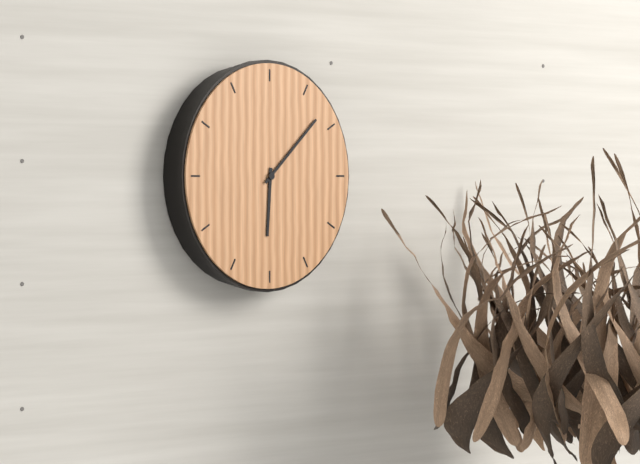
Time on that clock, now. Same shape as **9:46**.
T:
**6:08**
